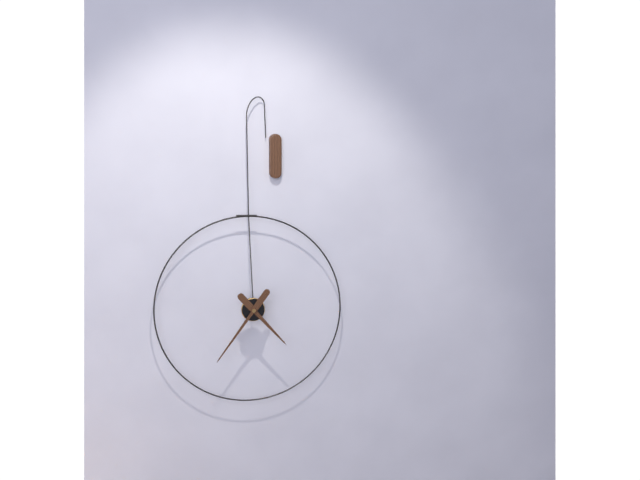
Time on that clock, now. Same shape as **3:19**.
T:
**4:36**
